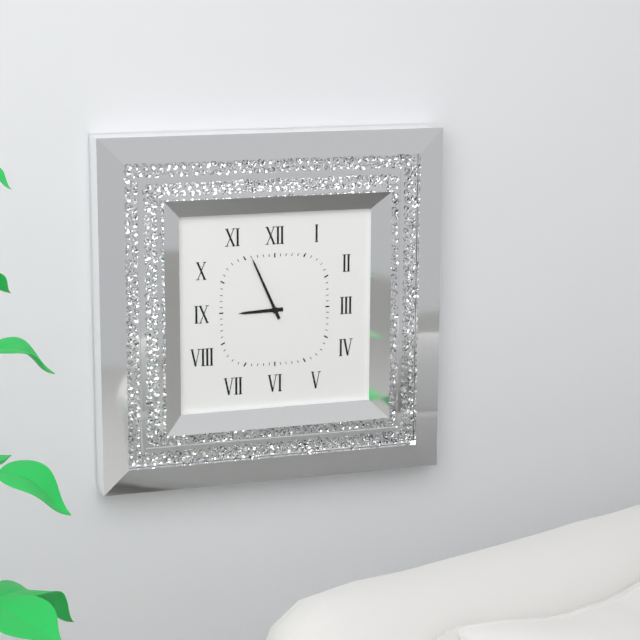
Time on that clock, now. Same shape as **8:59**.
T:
**8:56**
